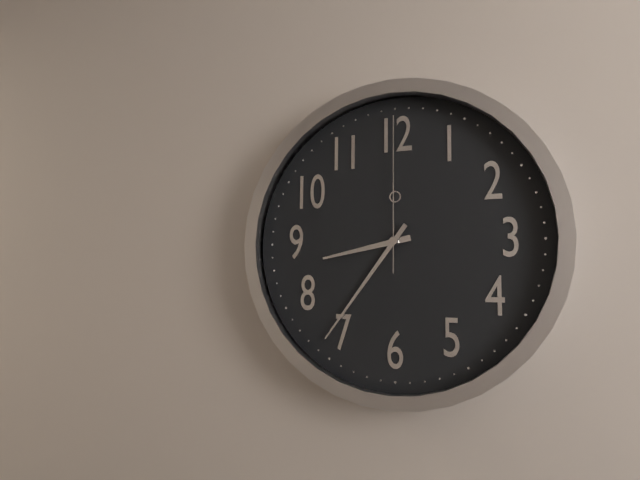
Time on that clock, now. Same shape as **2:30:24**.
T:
**8:36:00**
